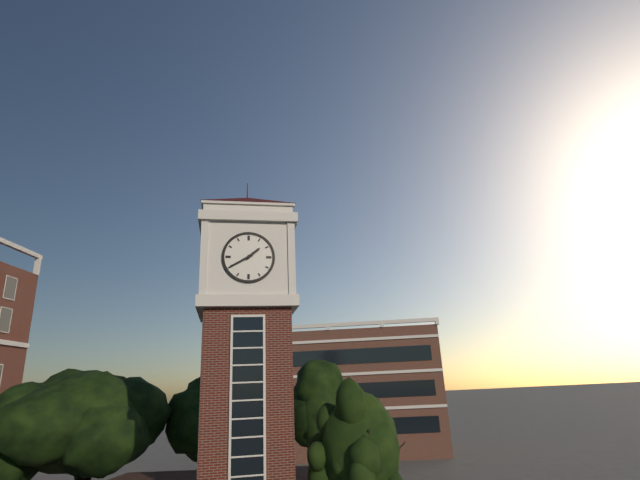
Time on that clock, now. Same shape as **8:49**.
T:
**1:40**
